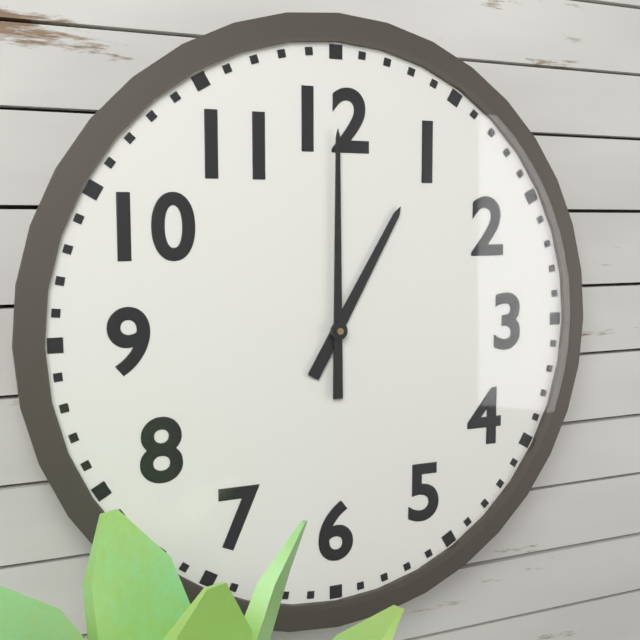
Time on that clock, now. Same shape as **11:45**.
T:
**1:00**
